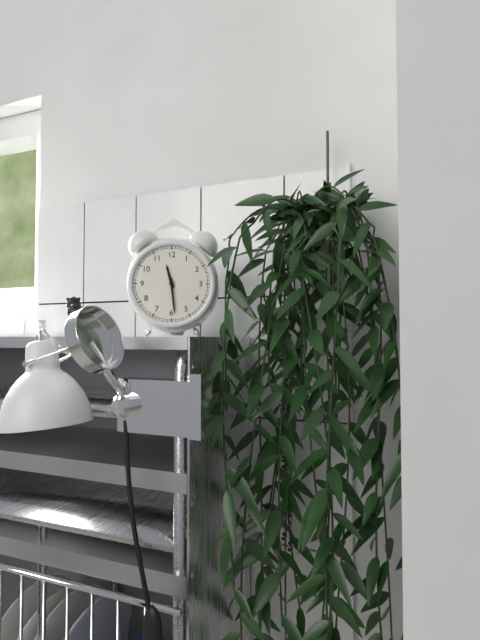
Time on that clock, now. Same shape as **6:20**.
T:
**11:29**
